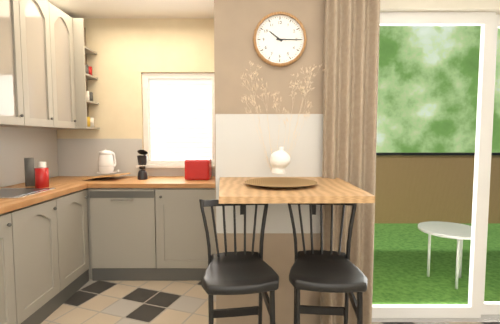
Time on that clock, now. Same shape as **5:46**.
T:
**10:15**
